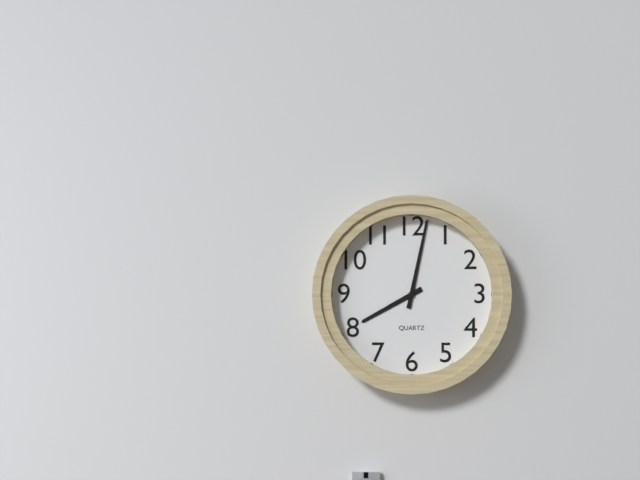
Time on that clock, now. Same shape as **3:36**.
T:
**8:02**
